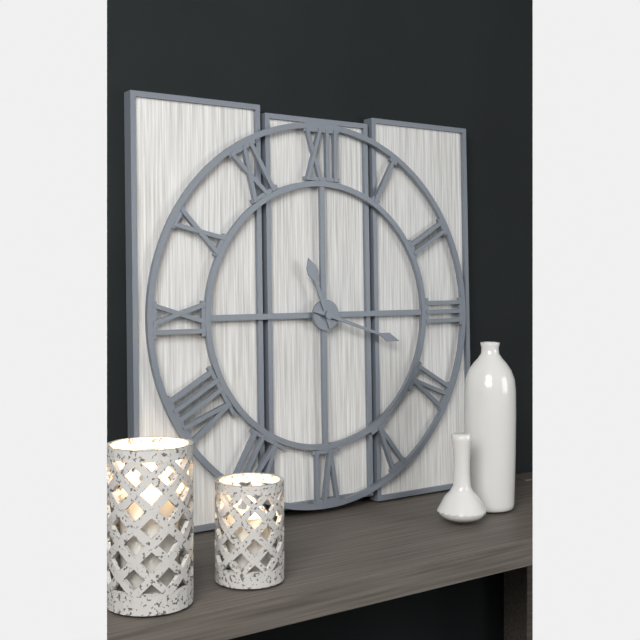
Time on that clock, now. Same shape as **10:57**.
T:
**11:18**
